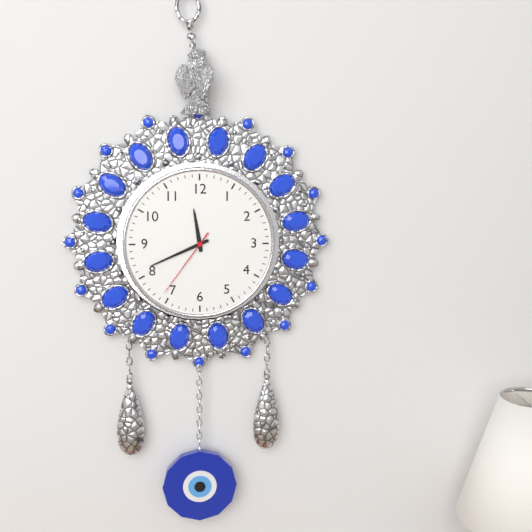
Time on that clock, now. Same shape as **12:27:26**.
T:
**11:41:36**
